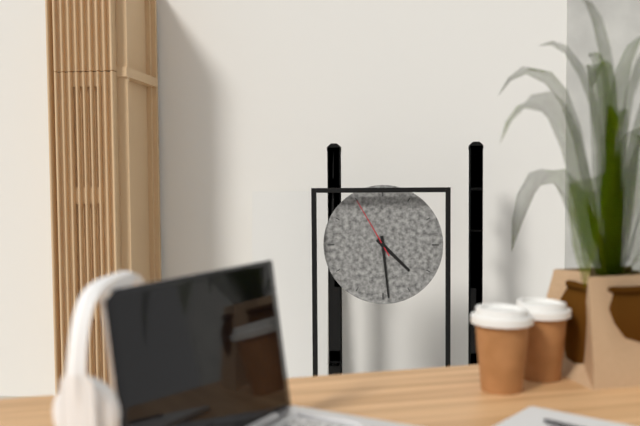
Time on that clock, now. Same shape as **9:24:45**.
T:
**4:29:55**
